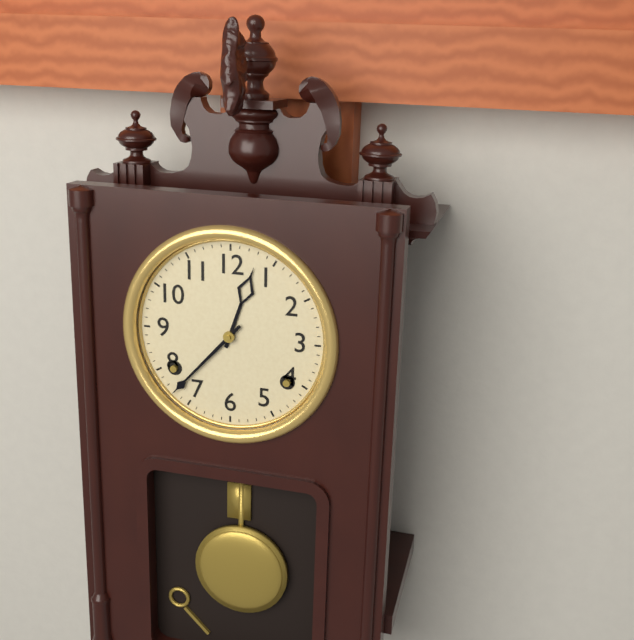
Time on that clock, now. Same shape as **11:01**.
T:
**12:37**
